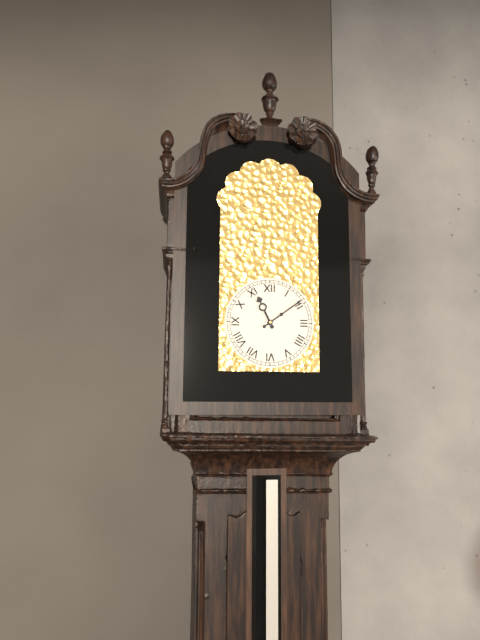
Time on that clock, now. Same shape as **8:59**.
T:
**11:09**
